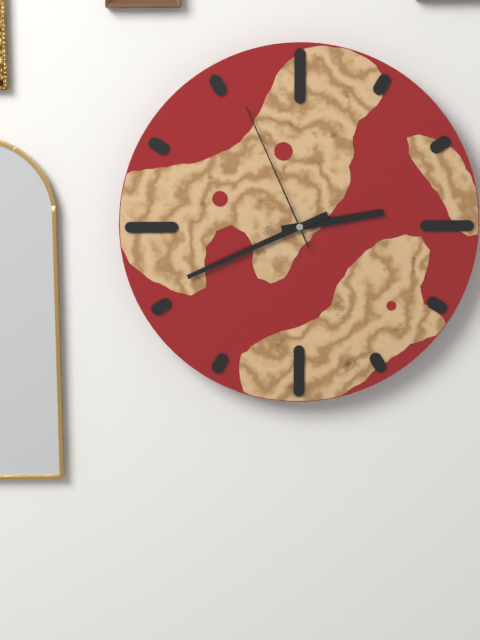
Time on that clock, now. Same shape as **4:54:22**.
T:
**2:41:56**
